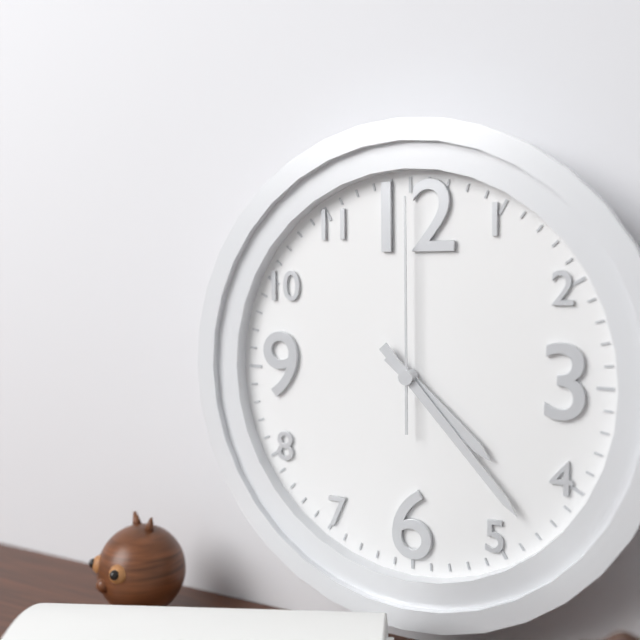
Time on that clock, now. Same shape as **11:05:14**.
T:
**4:23:00**
